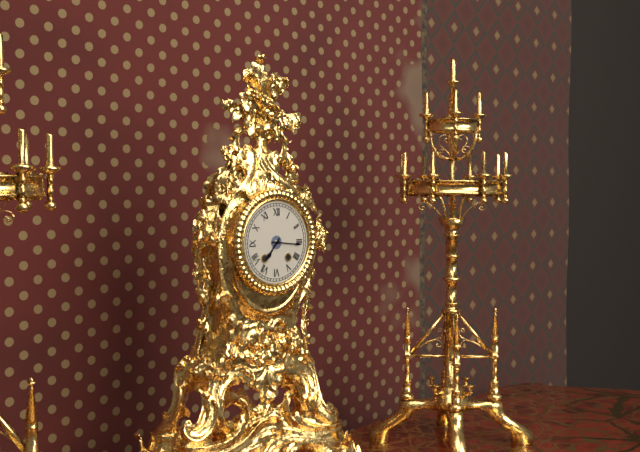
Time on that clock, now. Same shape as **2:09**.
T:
**7:16**
